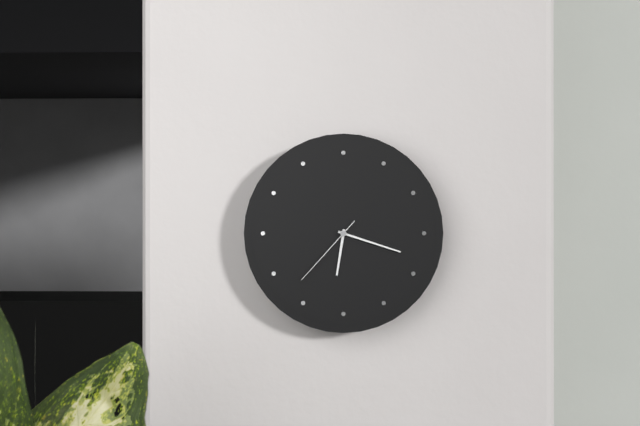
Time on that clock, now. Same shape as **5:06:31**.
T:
**6:18:37**
